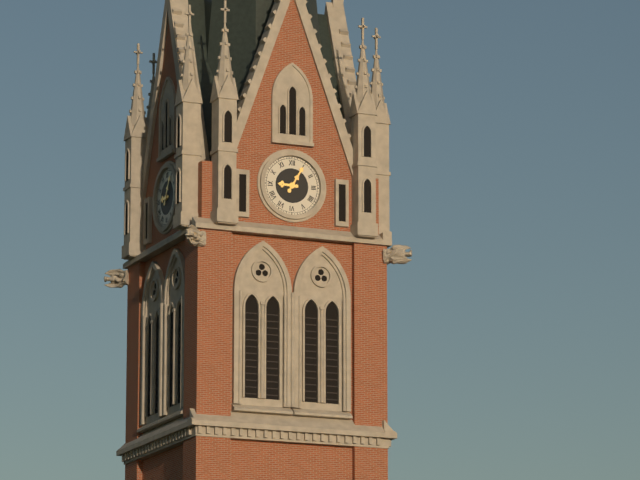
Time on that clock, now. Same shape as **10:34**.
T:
**9:05**
